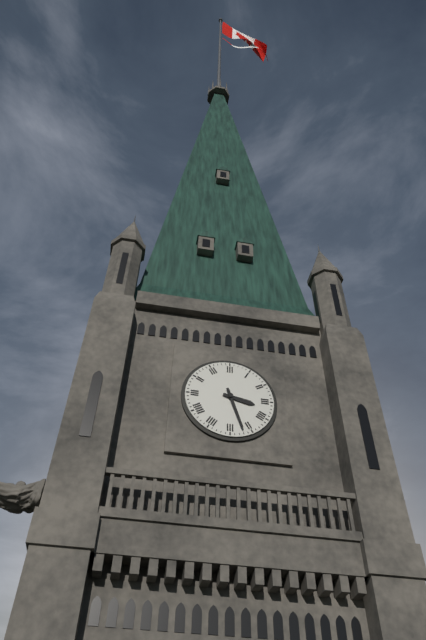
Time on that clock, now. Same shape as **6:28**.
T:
**3:27**
